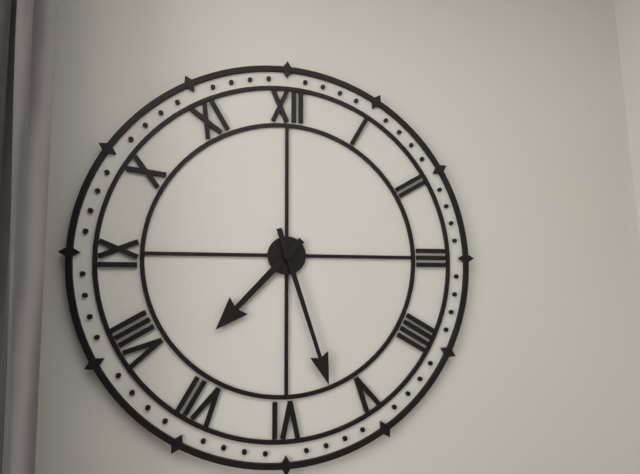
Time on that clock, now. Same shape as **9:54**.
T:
**7:27**
